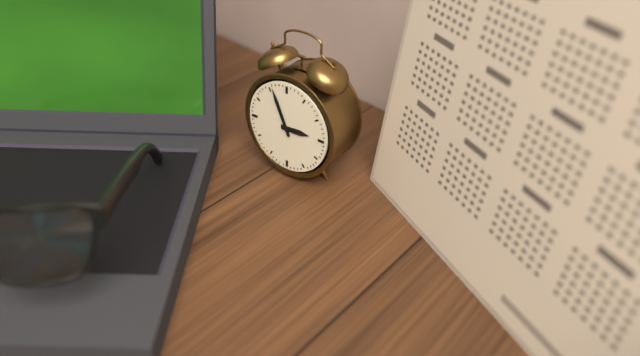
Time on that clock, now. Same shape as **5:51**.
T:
**2:56**
